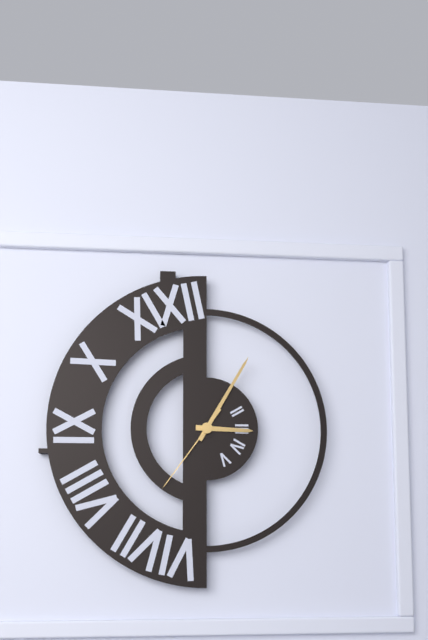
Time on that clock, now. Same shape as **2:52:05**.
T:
**3:05:36**
